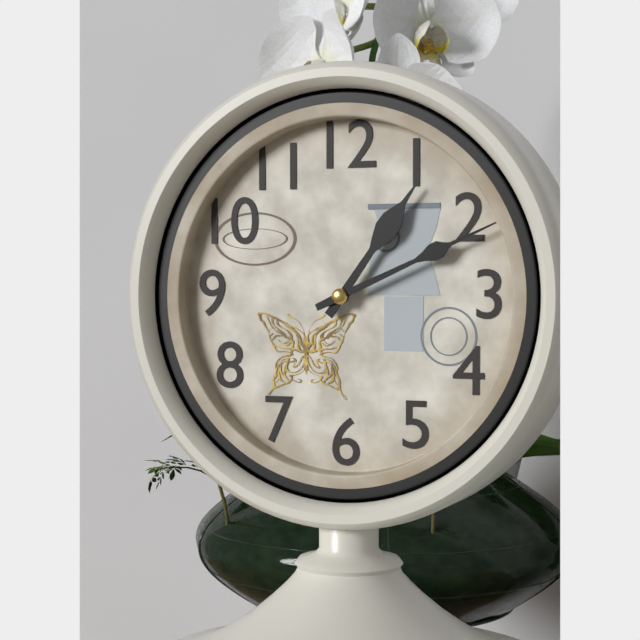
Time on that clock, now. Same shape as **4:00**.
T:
**1:11**
